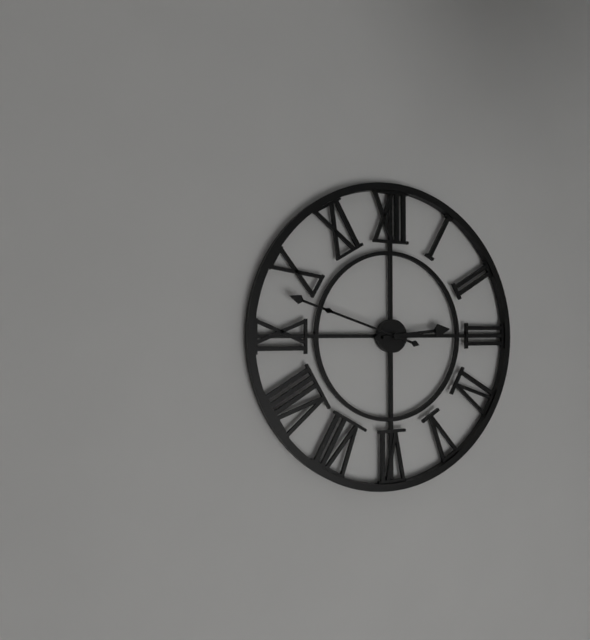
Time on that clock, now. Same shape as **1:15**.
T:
**2:48**
